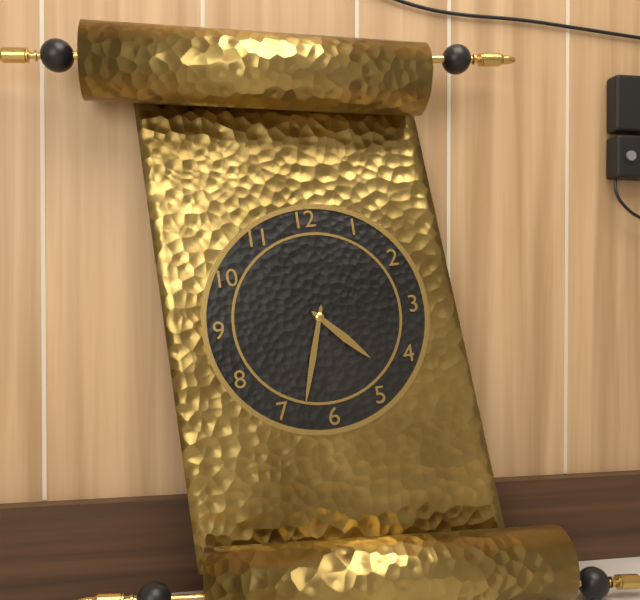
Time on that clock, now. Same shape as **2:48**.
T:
**4:33**
